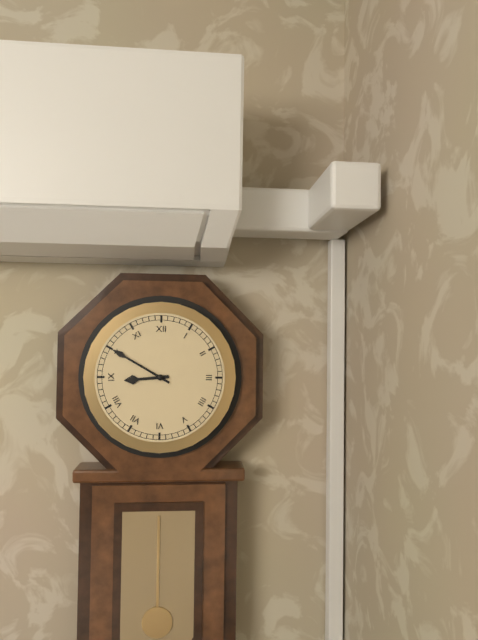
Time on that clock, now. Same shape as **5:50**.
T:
**8:50**
